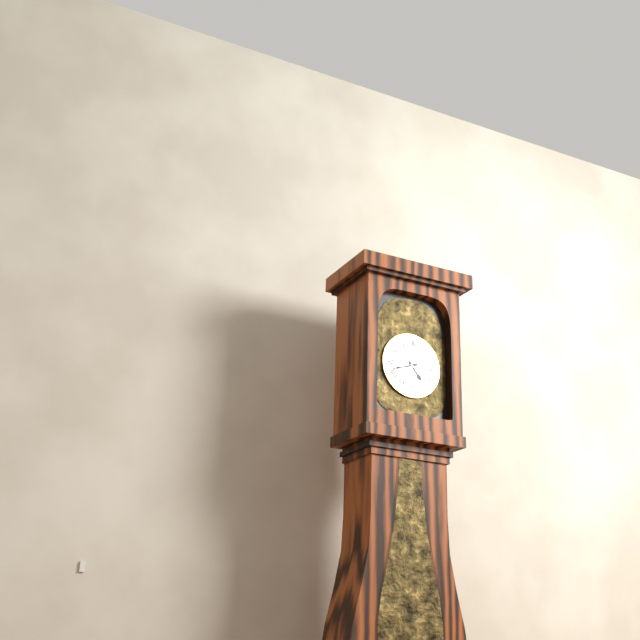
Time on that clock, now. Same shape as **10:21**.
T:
**4:42**
